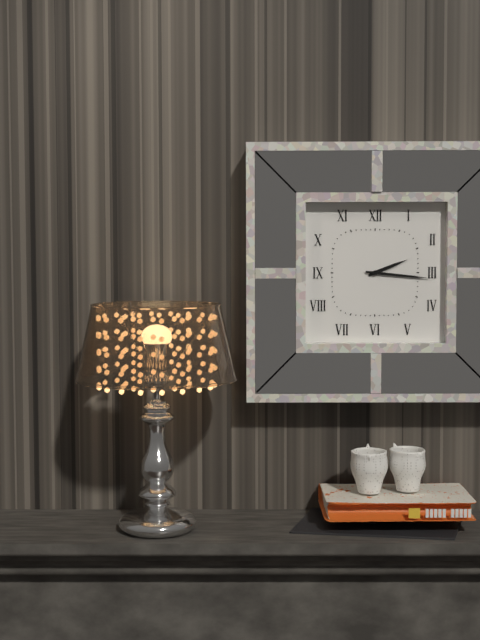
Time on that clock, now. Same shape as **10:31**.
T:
**2:16**
